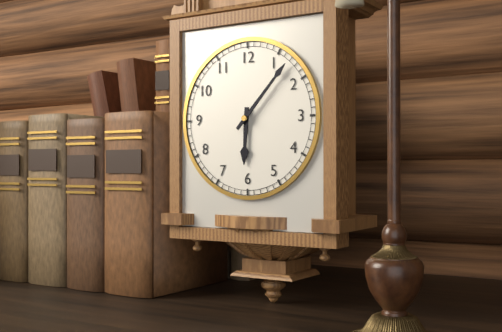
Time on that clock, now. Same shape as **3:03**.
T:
**6:07**
